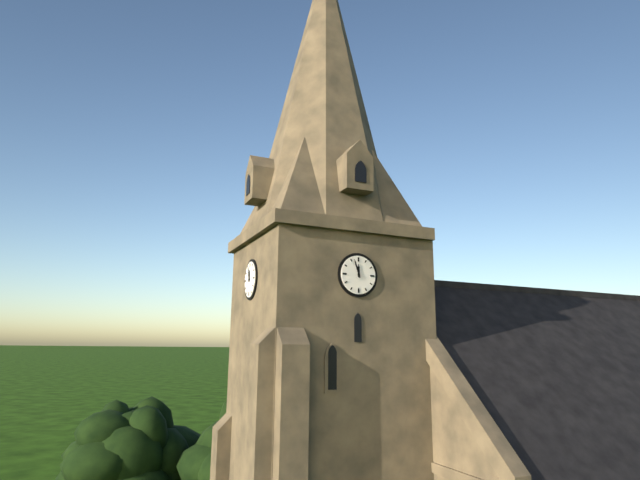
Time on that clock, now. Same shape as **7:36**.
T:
**11:57**
